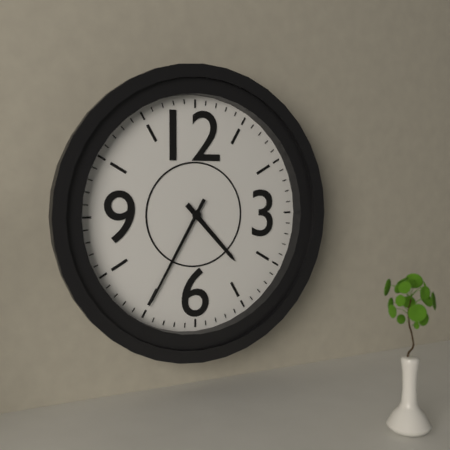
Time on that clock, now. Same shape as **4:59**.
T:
**4:35**
